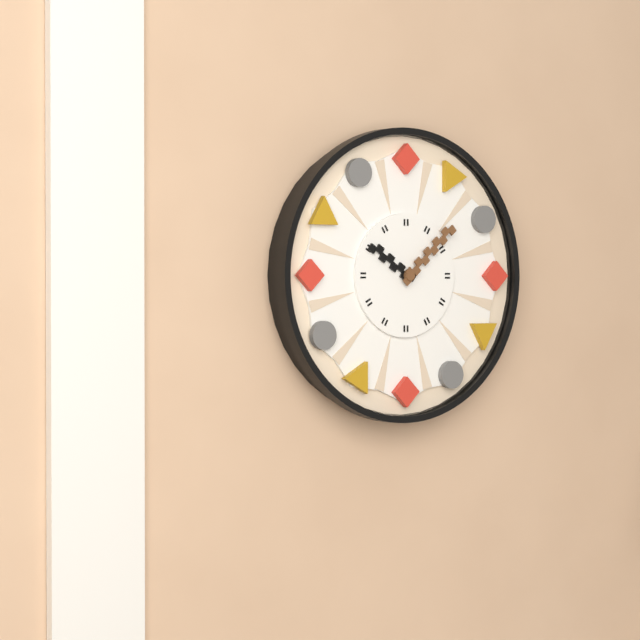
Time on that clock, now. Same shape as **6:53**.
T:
**10:08**
